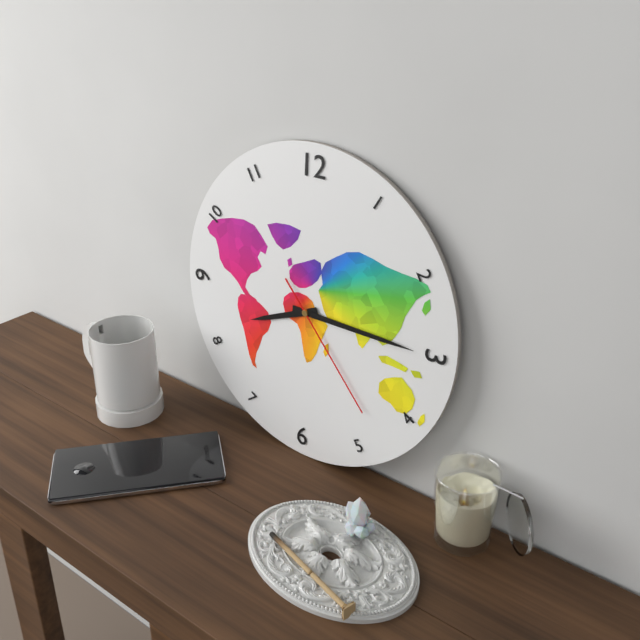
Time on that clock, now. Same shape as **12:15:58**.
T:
**8:15:23**
